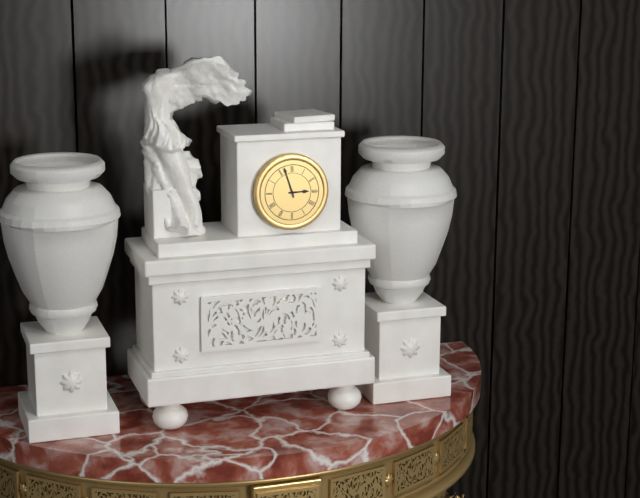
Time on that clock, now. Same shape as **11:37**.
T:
**2:57**
